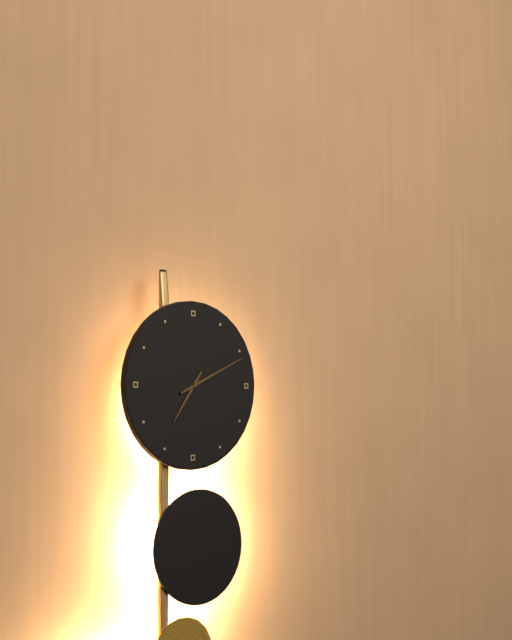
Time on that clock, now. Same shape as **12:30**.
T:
**7:11**
